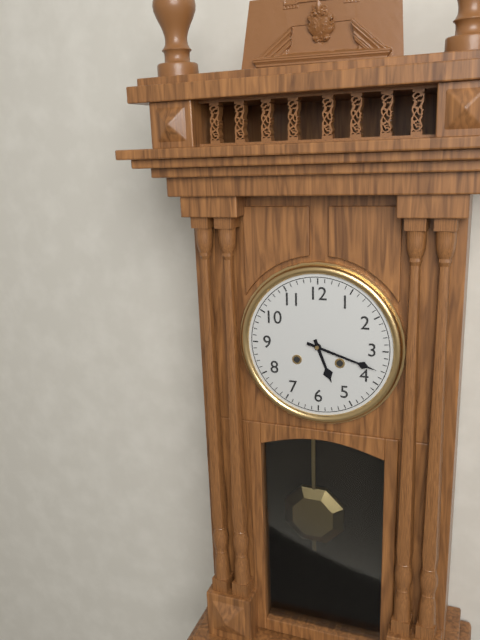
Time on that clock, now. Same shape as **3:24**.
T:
**5:18**
